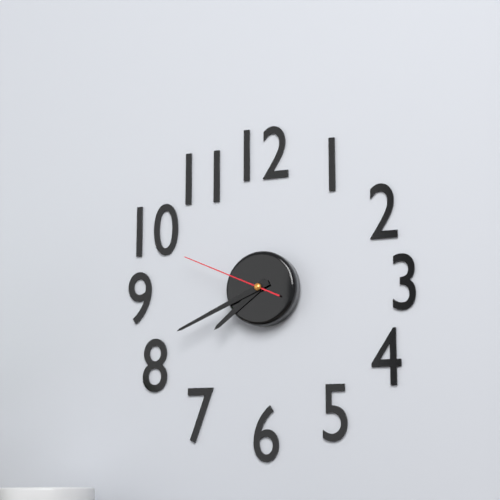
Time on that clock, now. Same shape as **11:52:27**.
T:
**7:41:49**
